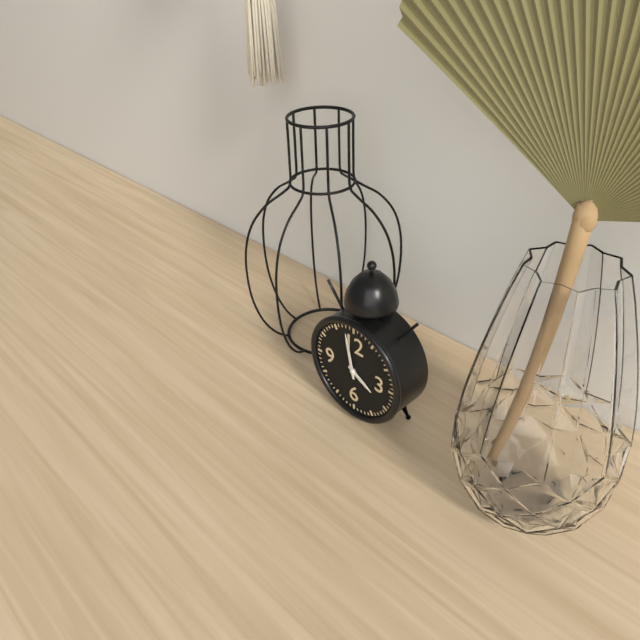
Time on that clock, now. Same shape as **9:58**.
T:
**3:58**
